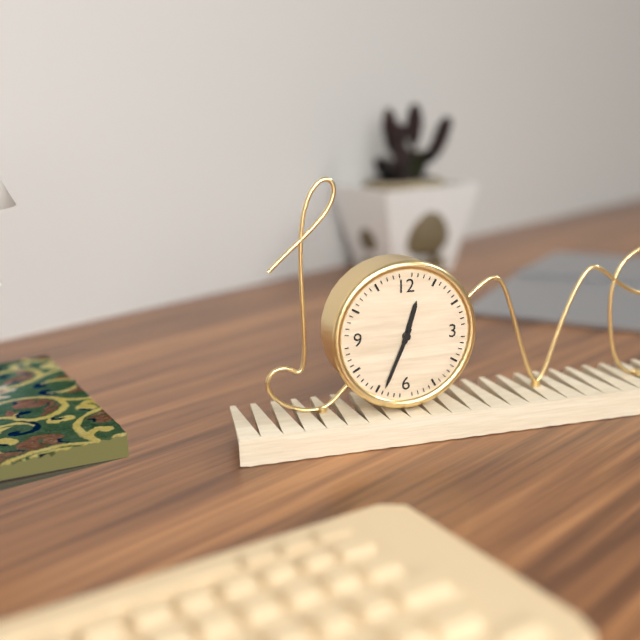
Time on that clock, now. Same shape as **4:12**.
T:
**12:34**
